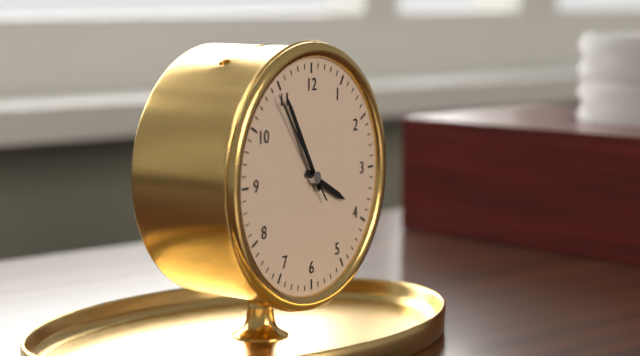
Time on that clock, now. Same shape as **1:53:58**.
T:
**3:55:54**
